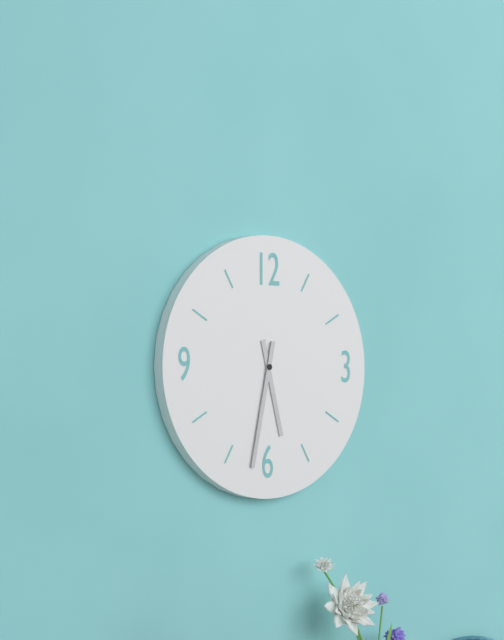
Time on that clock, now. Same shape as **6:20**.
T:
**5:32**
